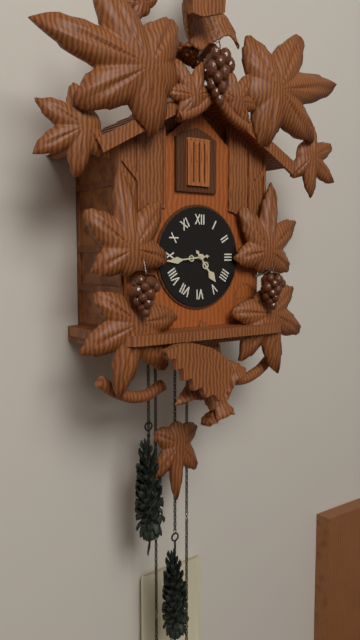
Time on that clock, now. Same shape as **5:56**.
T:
**4:44**
